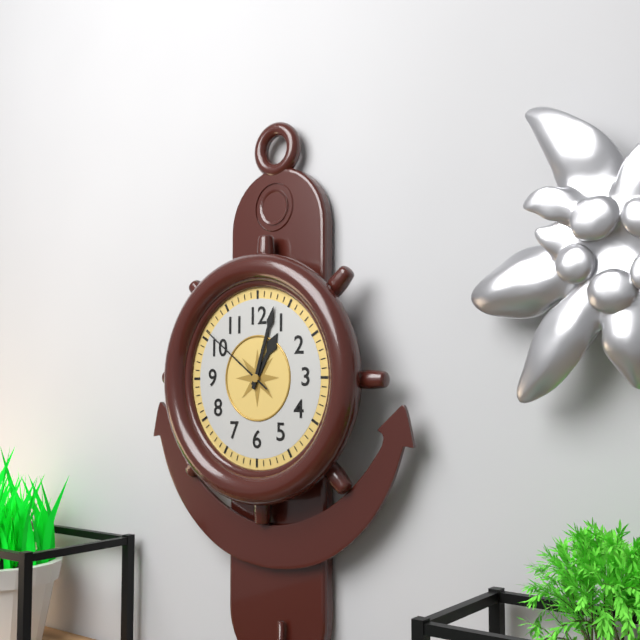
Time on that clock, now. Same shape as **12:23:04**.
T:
**1:03:51**
